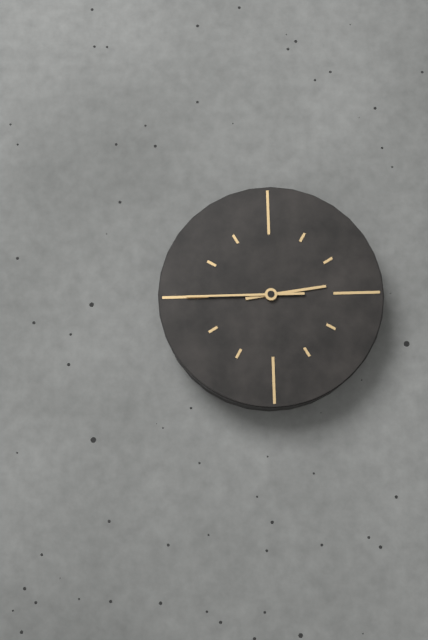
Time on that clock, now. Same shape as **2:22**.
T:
**2:45**
